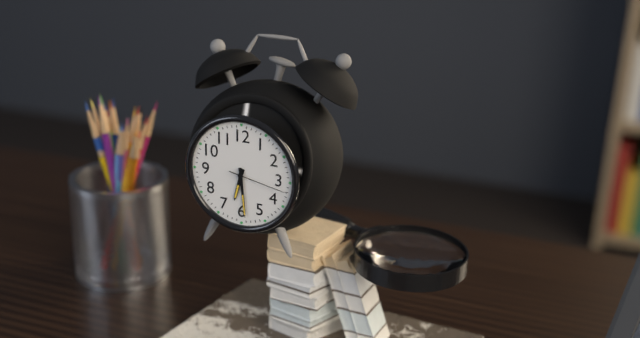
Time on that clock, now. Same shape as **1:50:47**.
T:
**6:29:17**
